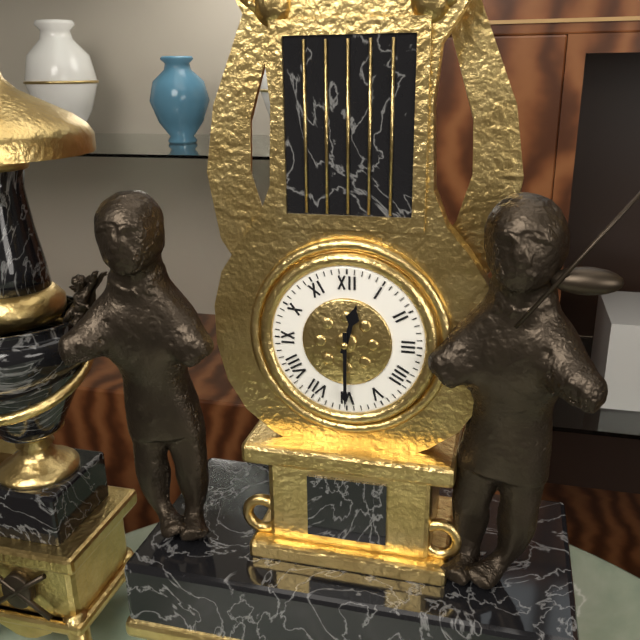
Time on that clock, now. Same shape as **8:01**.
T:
**12:30**
